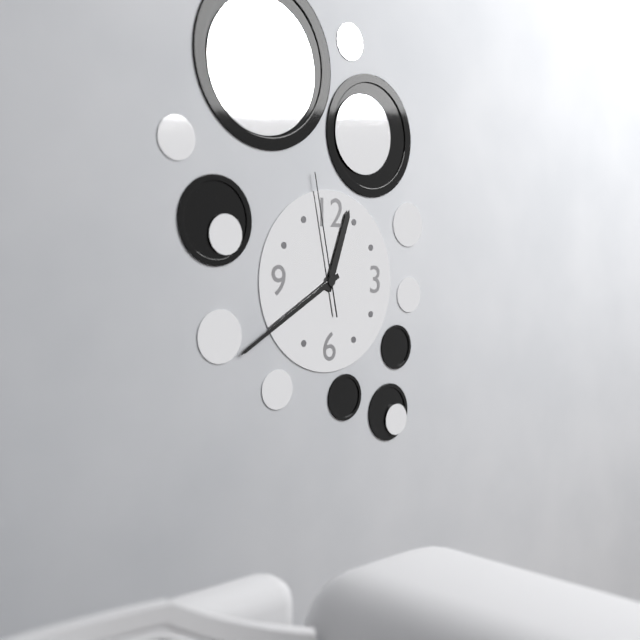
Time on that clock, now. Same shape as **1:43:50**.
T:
**12:40:58**
